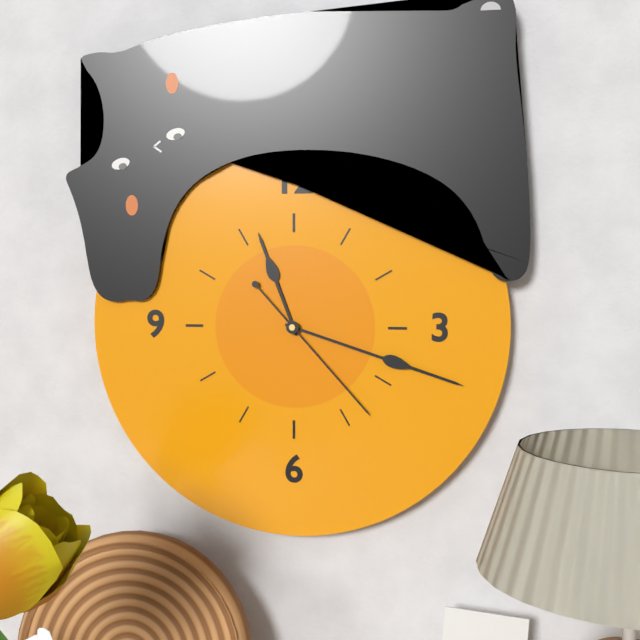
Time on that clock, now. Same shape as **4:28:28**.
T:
**11:18:23**
